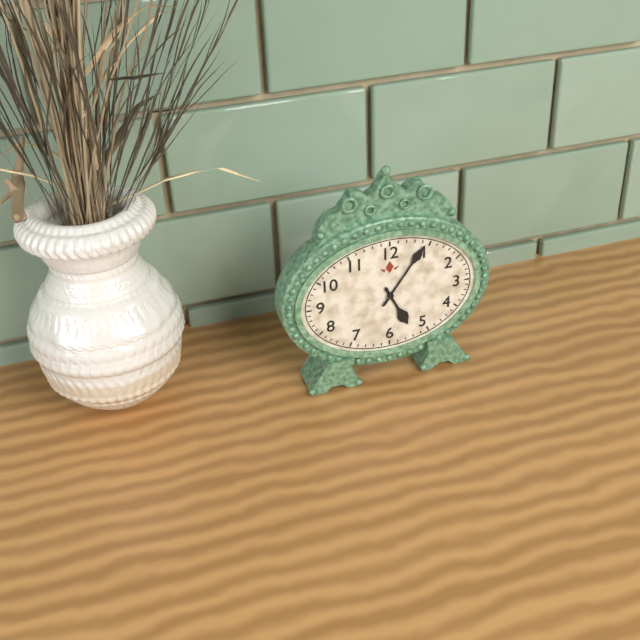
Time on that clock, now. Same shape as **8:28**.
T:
**5:06**
